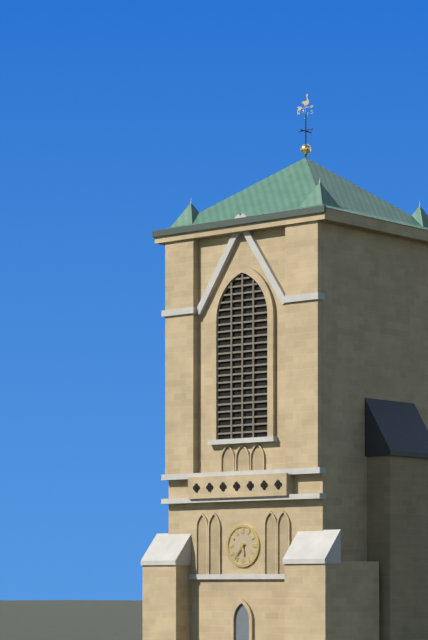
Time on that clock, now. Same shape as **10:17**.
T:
**5:37**
